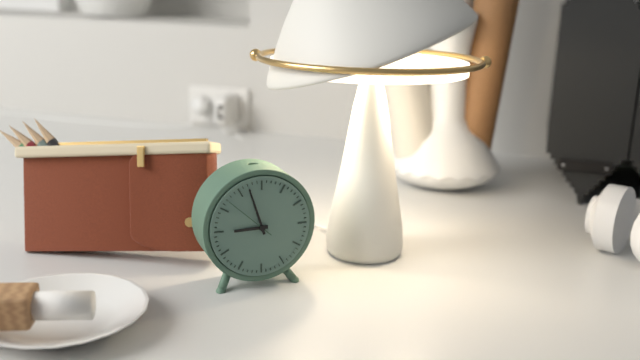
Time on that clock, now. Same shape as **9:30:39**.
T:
**8:57:52**
